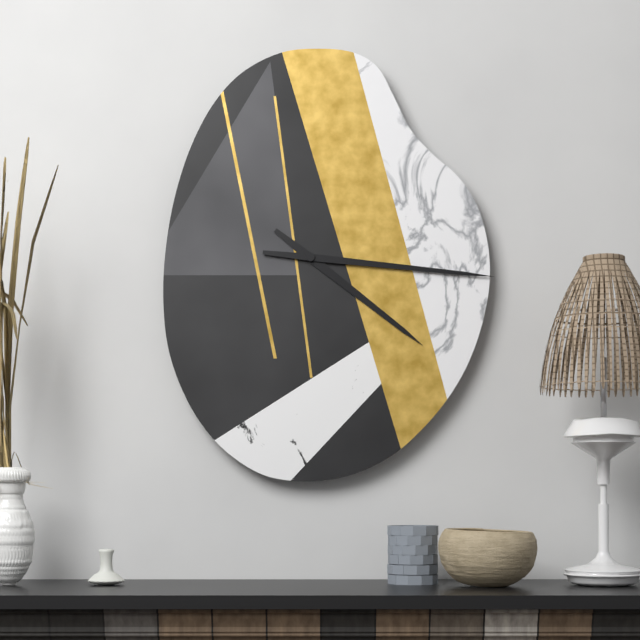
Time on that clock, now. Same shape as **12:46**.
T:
**4:16**
